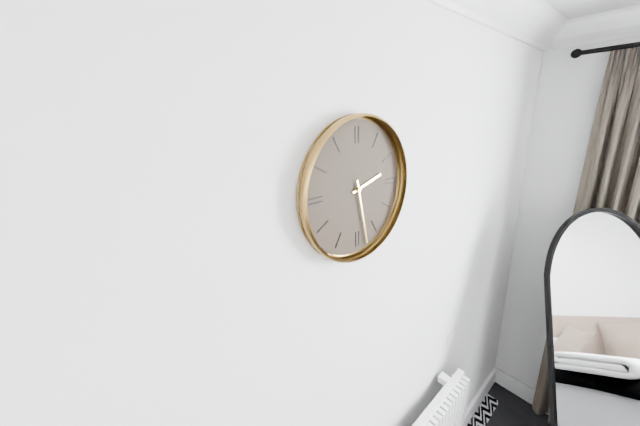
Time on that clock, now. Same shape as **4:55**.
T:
**2:28**
